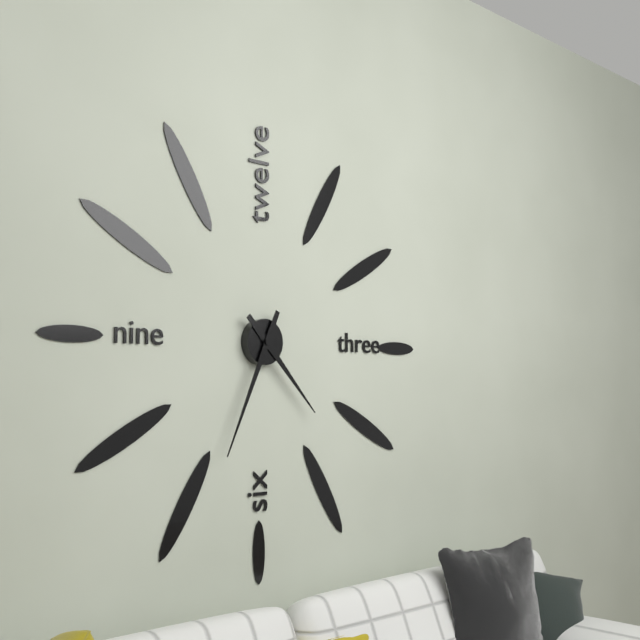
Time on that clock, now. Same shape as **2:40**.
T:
**4:34**
